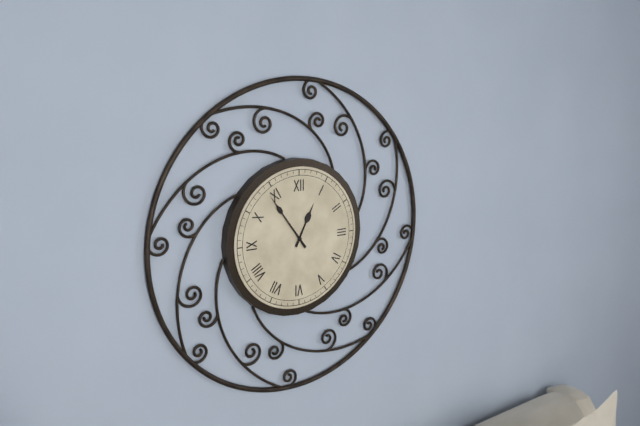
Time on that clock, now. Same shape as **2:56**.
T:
**12:54**
